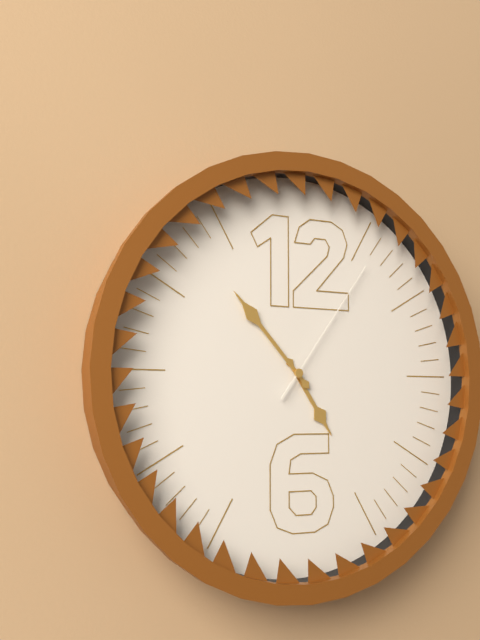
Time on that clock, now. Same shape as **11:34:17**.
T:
**4:53:06**
